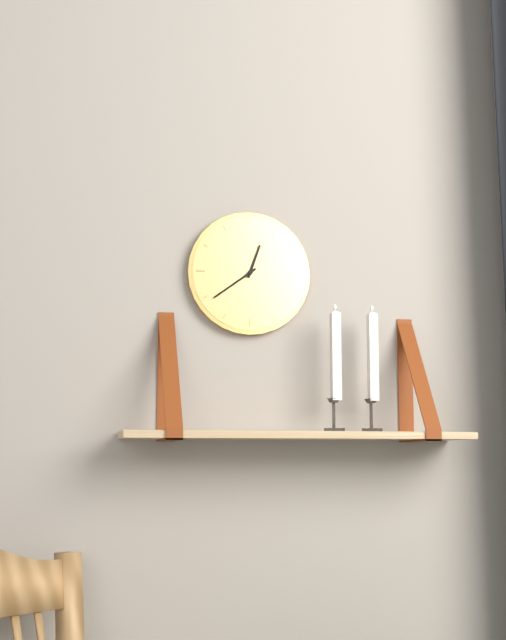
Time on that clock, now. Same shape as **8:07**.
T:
**12:39**
